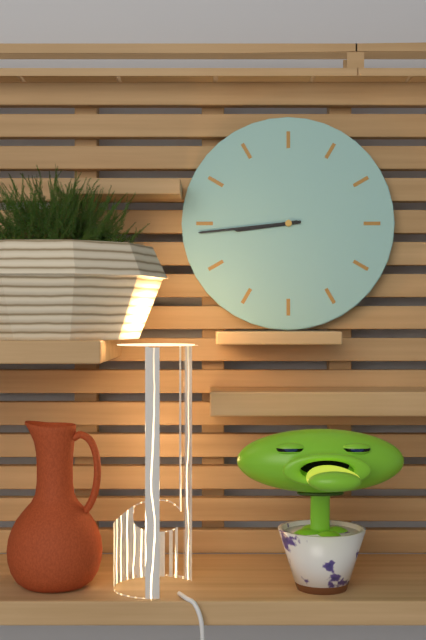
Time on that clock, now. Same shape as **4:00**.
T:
**8:44**
